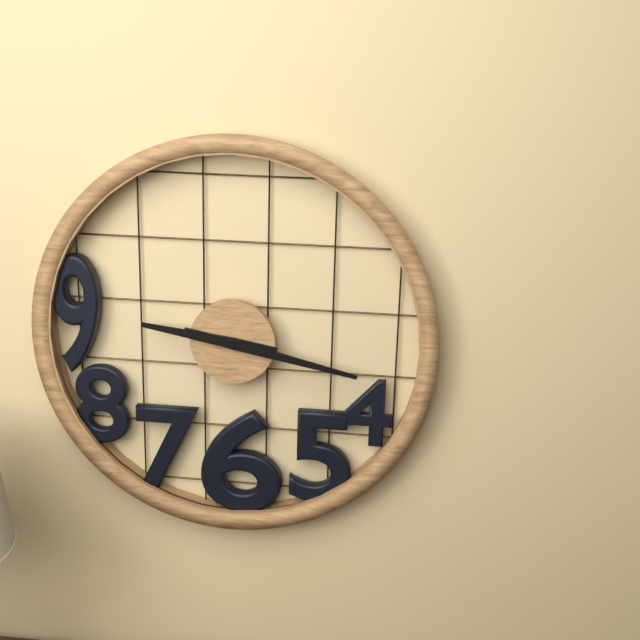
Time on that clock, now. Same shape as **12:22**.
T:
**9:17**
